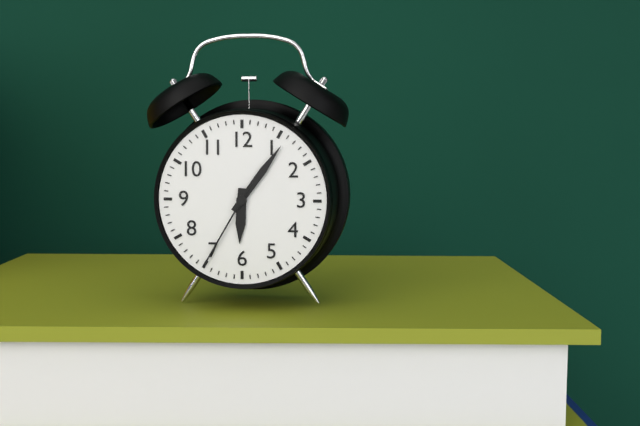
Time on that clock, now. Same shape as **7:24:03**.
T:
**6:06:35**
